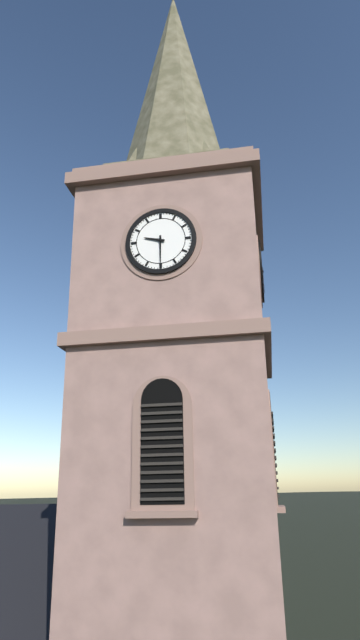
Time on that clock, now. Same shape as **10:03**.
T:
**9:30**
